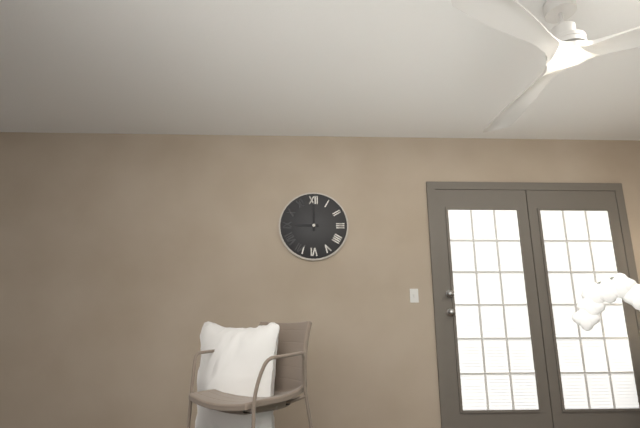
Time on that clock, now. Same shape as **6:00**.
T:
**9:00**
